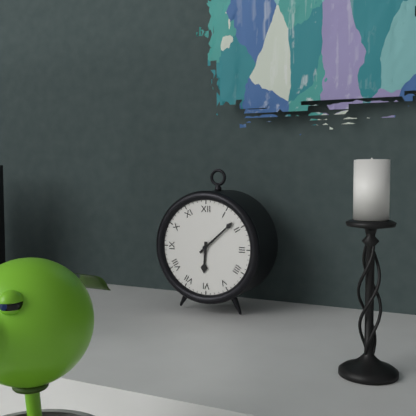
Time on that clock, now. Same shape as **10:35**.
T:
**6:08**
